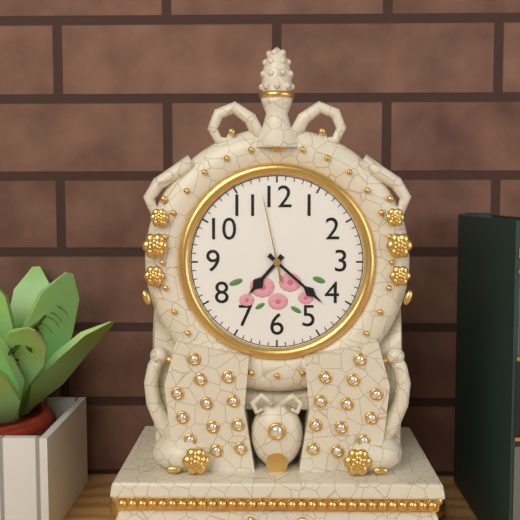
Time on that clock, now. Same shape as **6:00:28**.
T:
**7:22:58**
